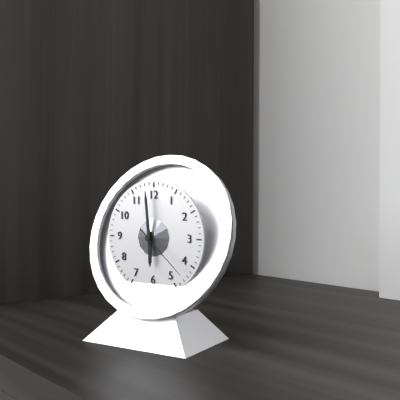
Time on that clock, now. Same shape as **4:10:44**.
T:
**5:59:22**
